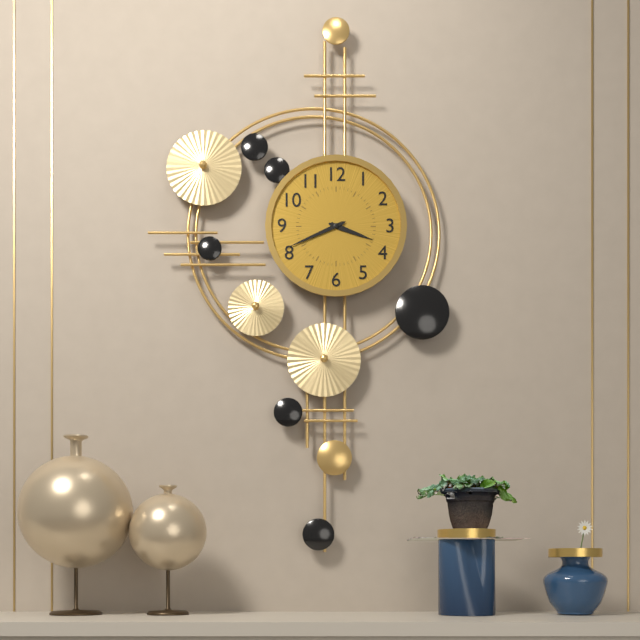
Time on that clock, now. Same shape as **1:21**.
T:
**3:41**
